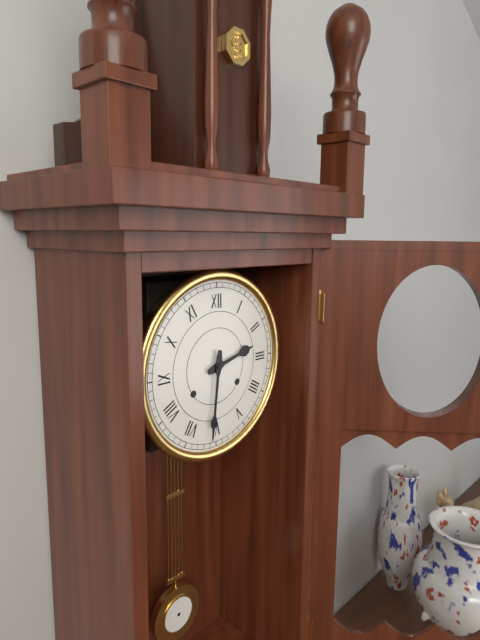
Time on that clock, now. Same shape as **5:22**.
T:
**2:31**
